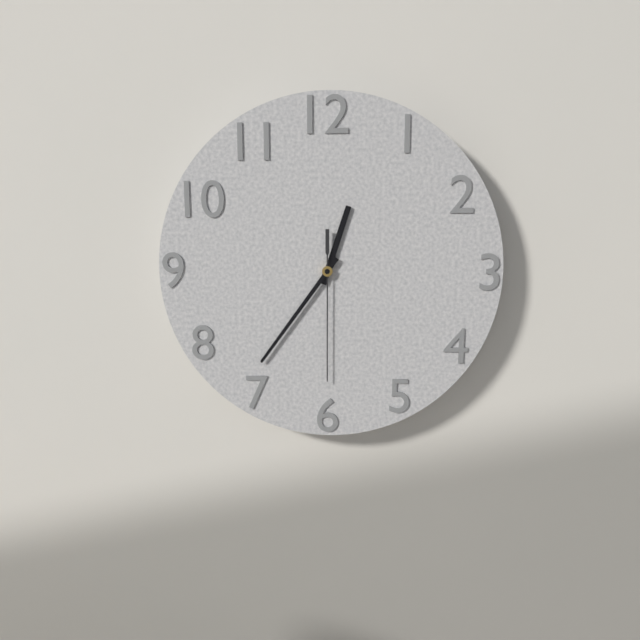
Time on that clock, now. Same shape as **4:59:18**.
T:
**12:36:30**
